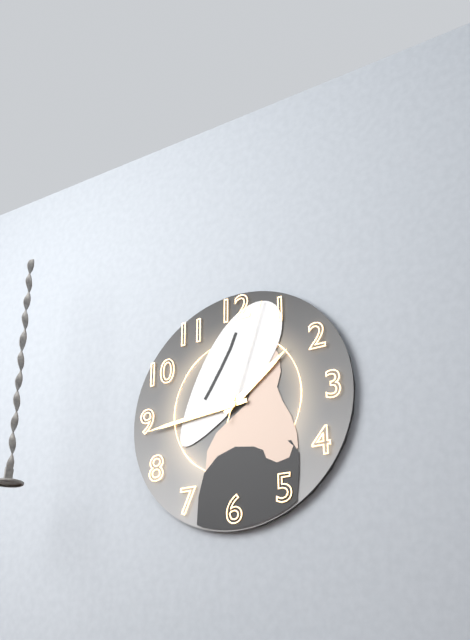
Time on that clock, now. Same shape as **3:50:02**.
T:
**1:44:03**
